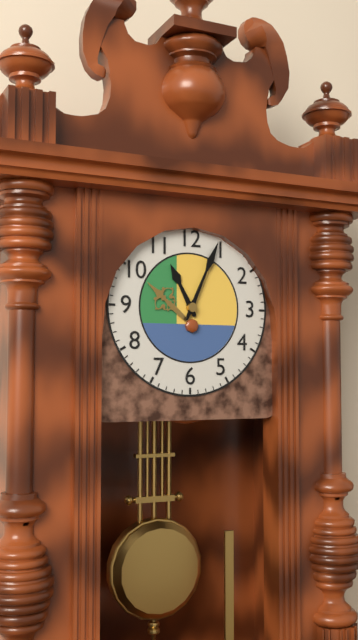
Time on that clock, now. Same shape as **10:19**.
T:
**11:04**
